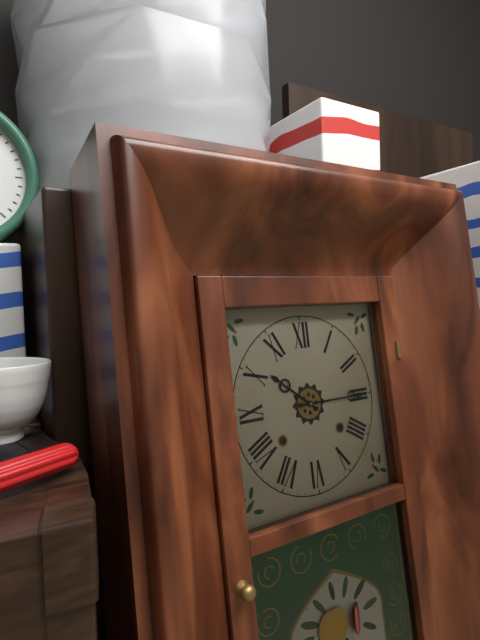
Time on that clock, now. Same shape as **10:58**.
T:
**10:15**
